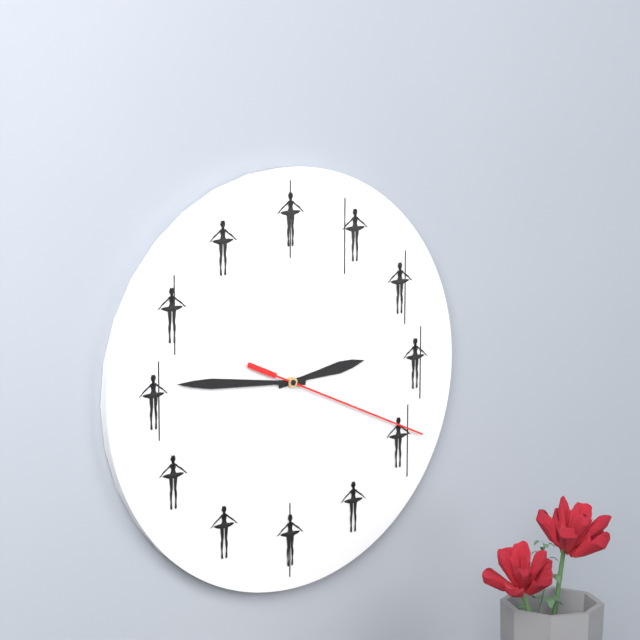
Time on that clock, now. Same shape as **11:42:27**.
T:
**2:46:19**
